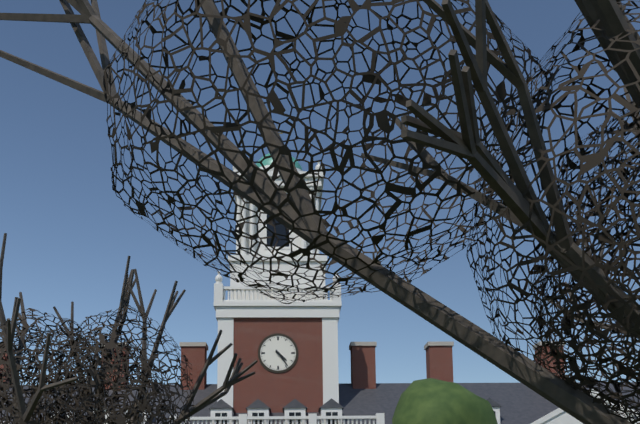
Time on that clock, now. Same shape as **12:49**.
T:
**4:24**
